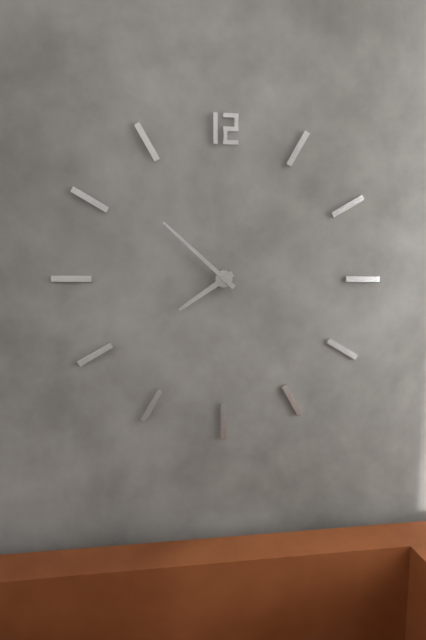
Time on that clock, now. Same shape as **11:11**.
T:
**7:52**
